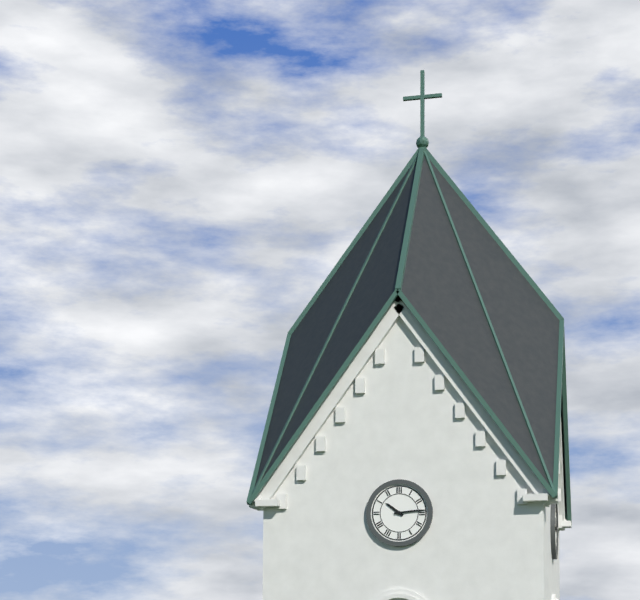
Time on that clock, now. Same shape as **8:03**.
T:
**10:14**
